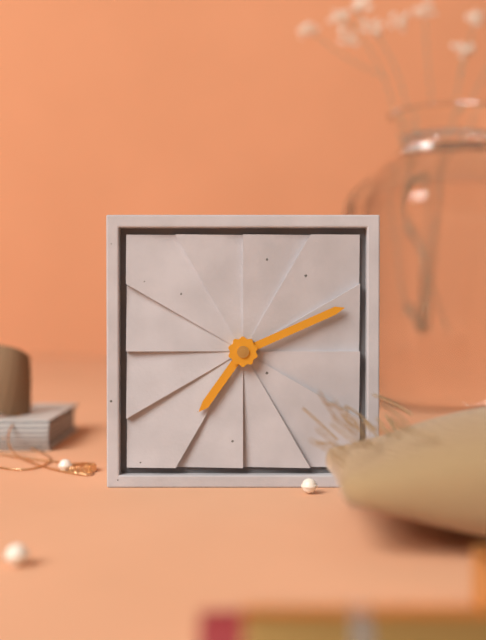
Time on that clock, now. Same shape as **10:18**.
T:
**7:11**
